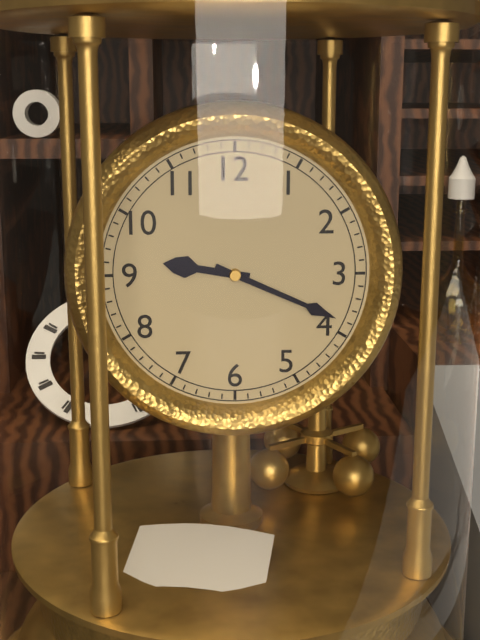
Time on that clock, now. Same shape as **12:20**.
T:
**9:19**
